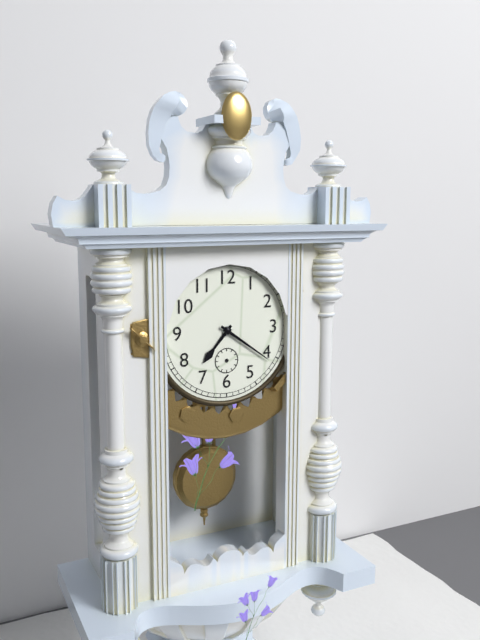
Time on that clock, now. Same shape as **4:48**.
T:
**7:21**
